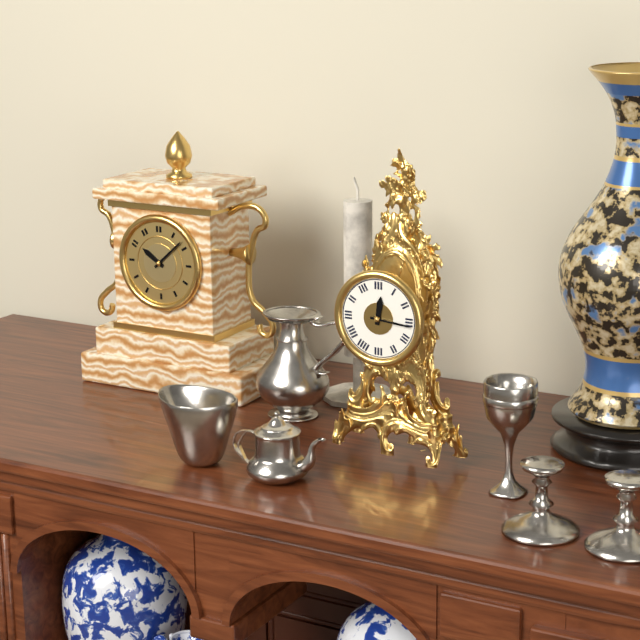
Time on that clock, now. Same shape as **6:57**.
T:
**12:16**
